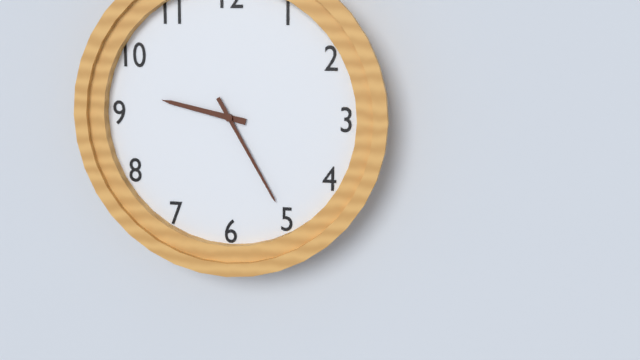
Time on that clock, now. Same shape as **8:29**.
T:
**9:25**
